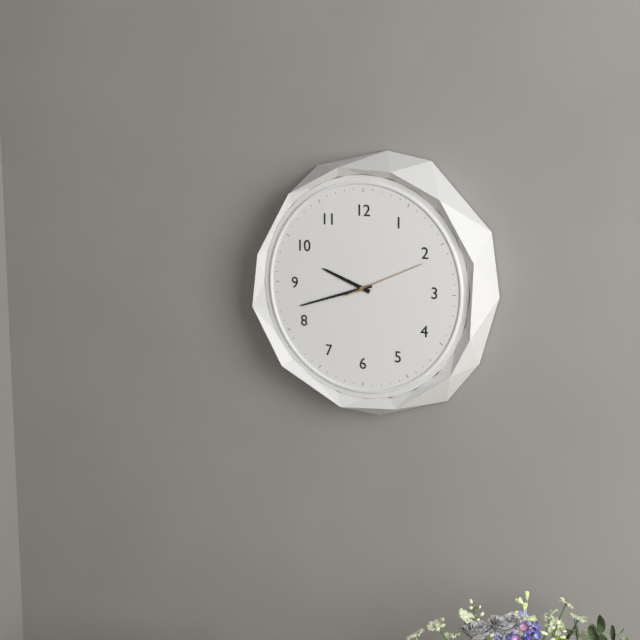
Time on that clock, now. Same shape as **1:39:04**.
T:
**9:42:11**
